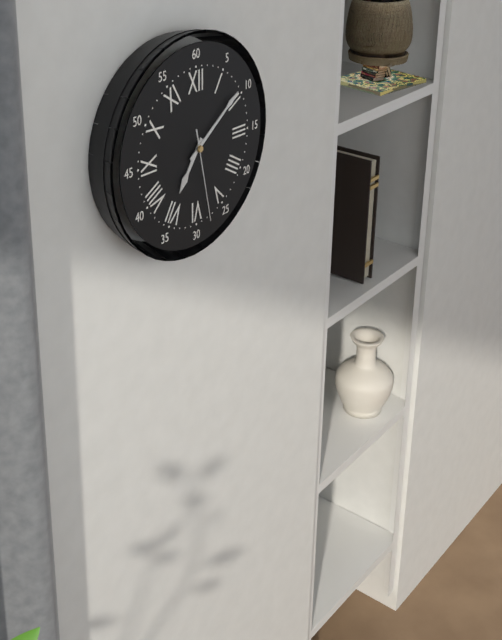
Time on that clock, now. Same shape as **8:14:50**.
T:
**7:09:28**
